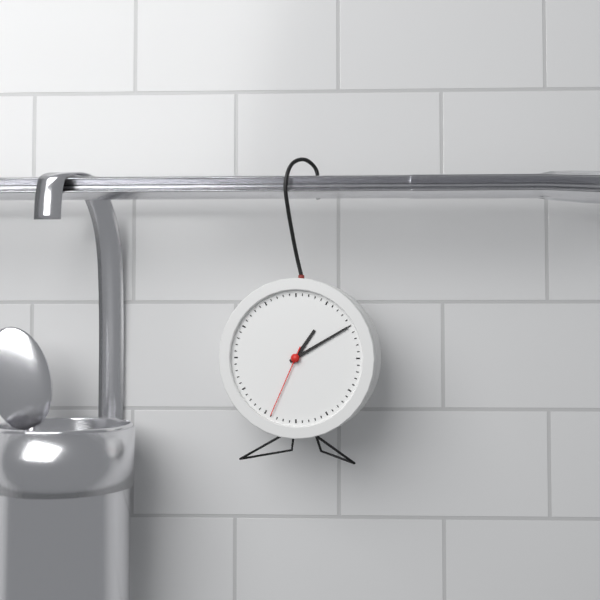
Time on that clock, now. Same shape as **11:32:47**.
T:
**1:10:34**
